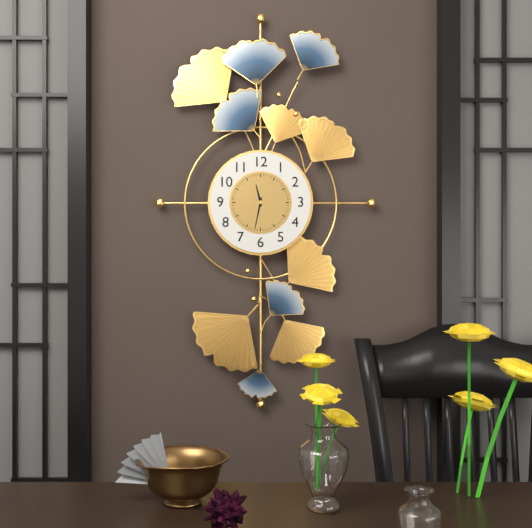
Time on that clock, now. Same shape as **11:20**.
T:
**11:32**
